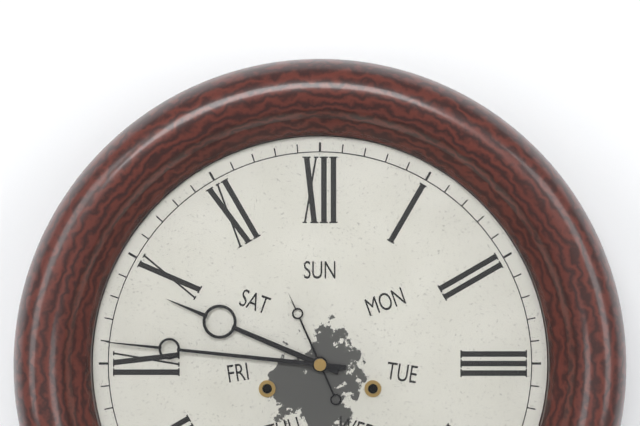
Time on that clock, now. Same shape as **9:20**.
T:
**9:46**
